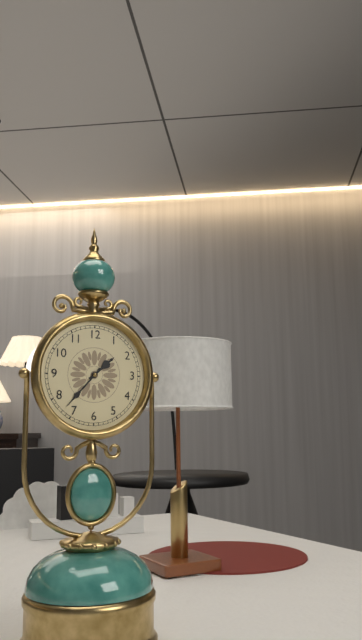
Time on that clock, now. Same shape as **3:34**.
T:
**1:37**
